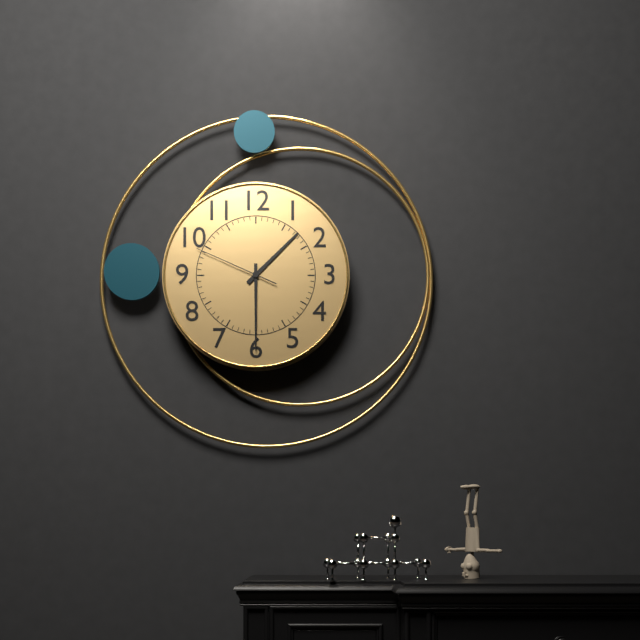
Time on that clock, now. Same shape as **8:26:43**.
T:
**1:30:49**
